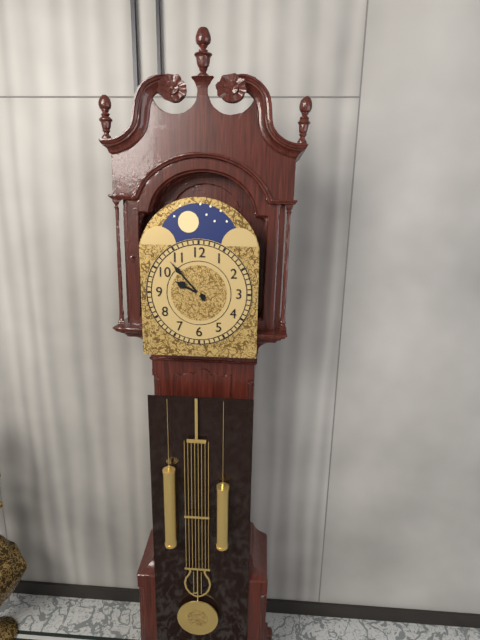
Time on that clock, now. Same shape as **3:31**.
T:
**9:53**
